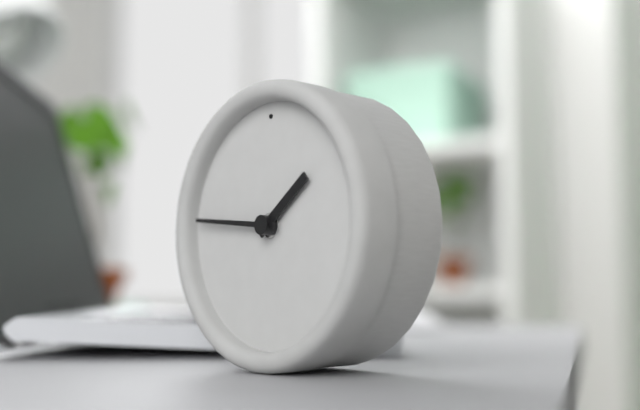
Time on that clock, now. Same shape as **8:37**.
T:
**1:46**
